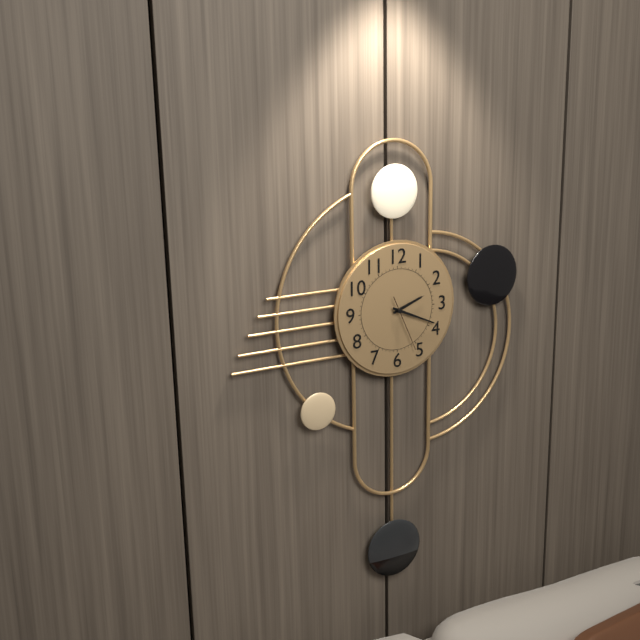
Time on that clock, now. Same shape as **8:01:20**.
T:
**2:19:26**
